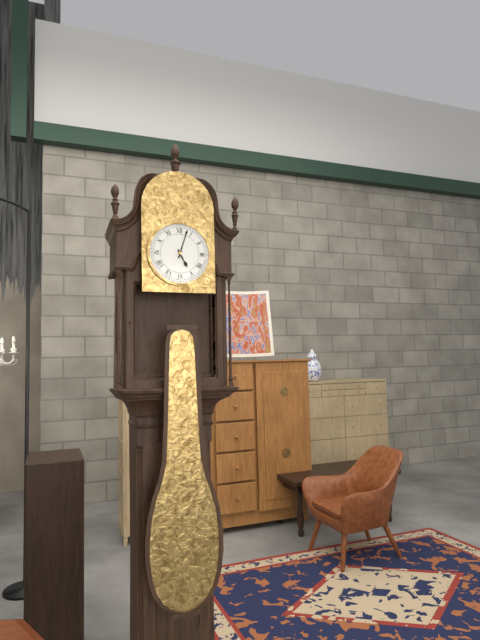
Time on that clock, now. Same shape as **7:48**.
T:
**5:03**
